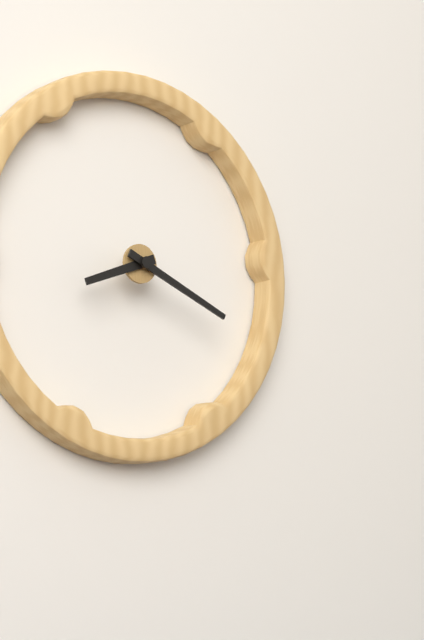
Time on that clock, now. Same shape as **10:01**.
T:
**8:19**
